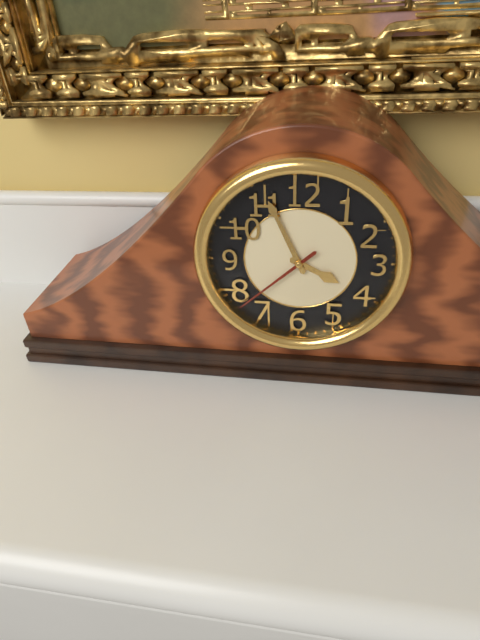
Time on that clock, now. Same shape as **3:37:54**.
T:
**3:56:38**
